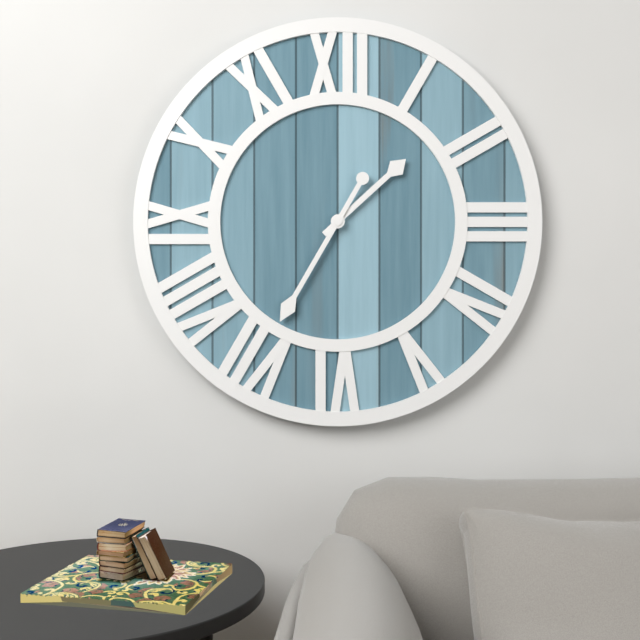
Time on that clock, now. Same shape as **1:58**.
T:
**1:35**
